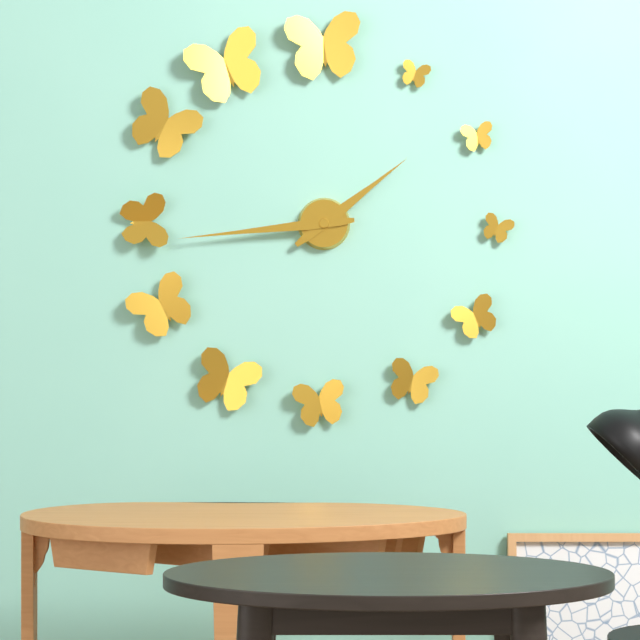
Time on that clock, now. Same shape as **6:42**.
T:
**1:44**
